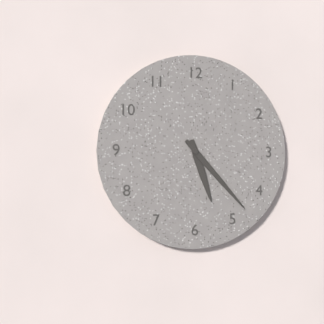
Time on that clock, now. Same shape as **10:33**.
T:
**5:23**
